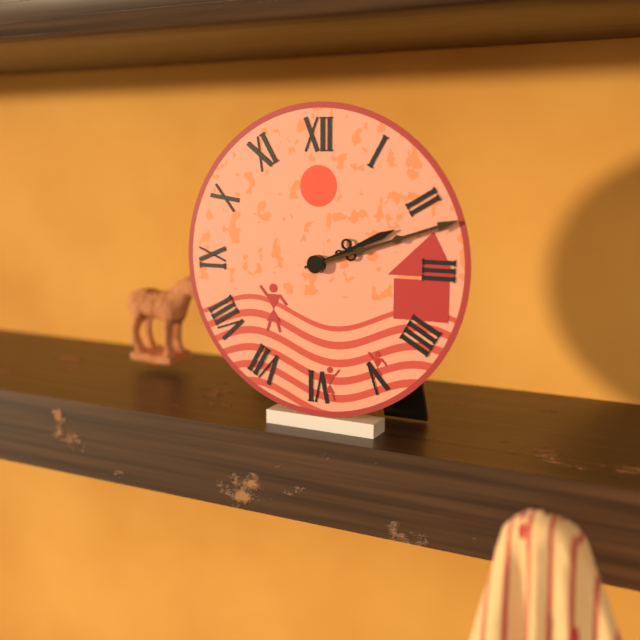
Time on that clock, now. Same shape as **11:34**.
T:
**2:12**
